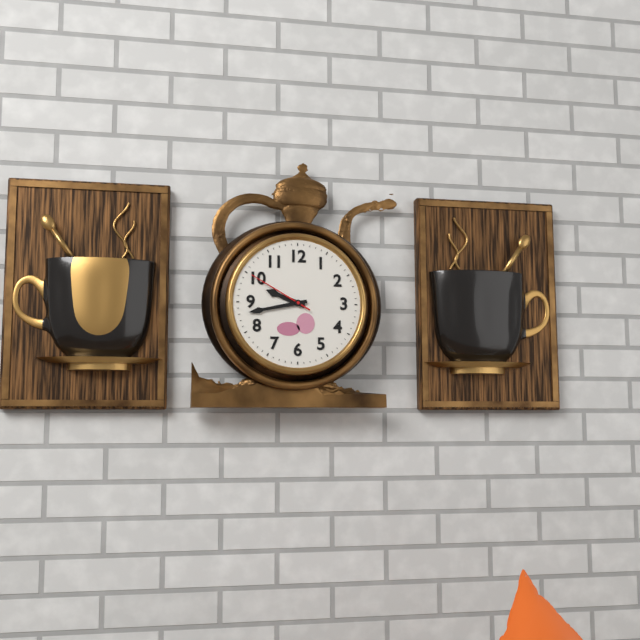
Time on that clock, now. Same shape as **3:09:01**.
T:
**9:43:50**
